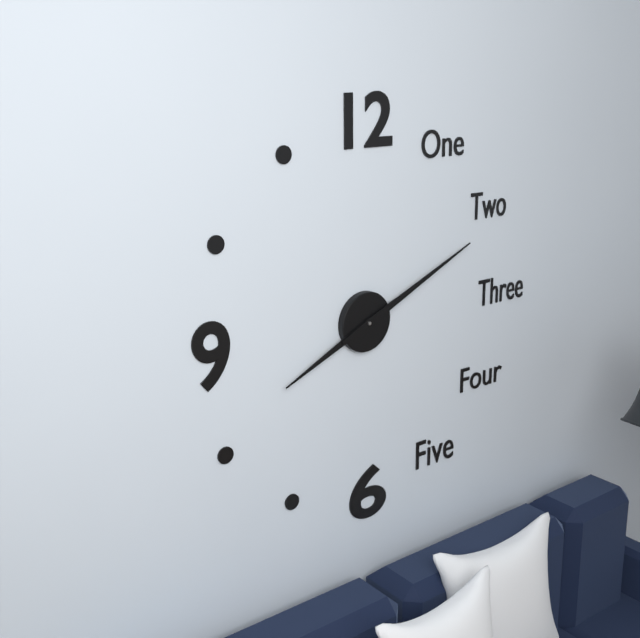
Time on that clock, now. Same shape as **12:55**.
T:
**8:11**
